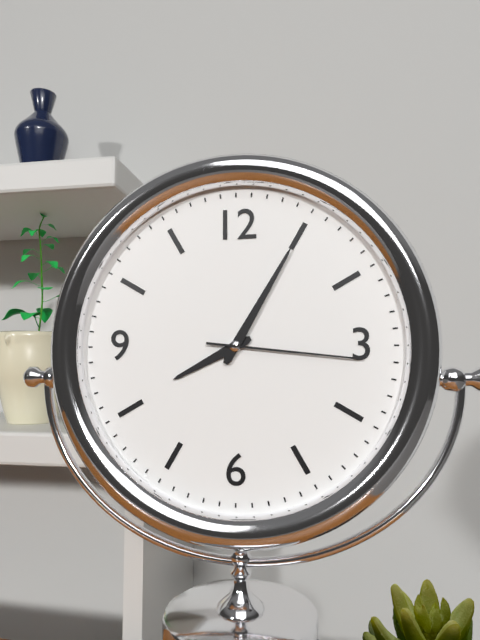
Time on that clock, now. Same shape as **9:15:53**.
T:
**8:05:16**
